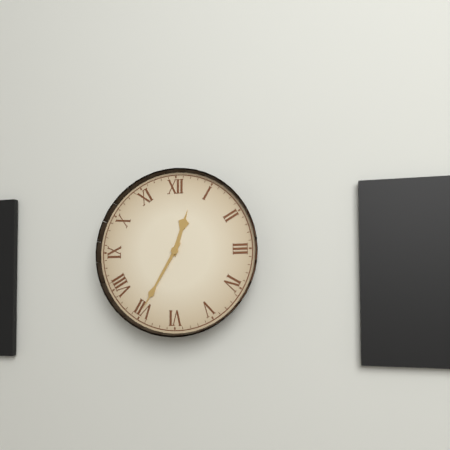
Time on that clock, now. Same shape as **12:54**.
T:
**12:35**
